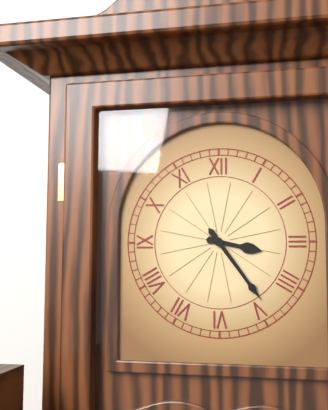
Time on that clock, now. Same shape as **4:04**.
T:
**3:24**
